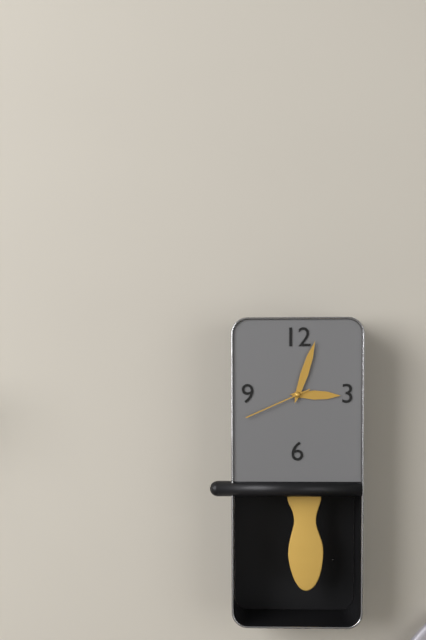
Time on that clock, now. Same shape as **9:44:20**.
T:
**3:03:41**
